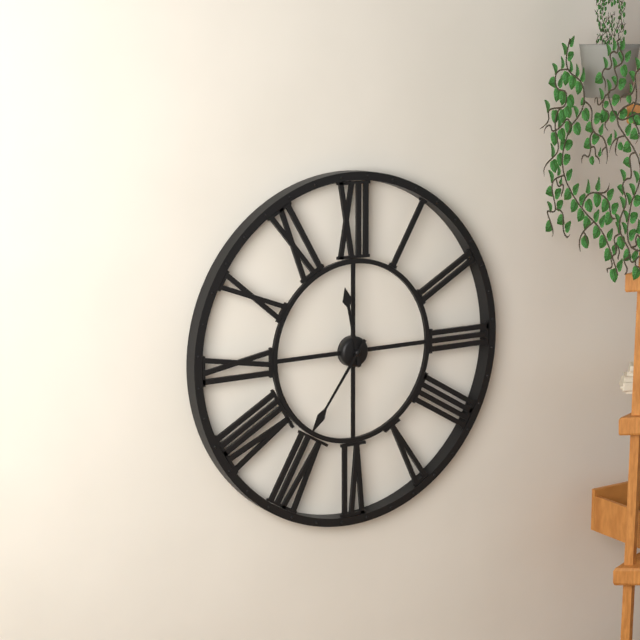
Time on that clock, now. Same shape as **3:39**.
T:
**11:36**
